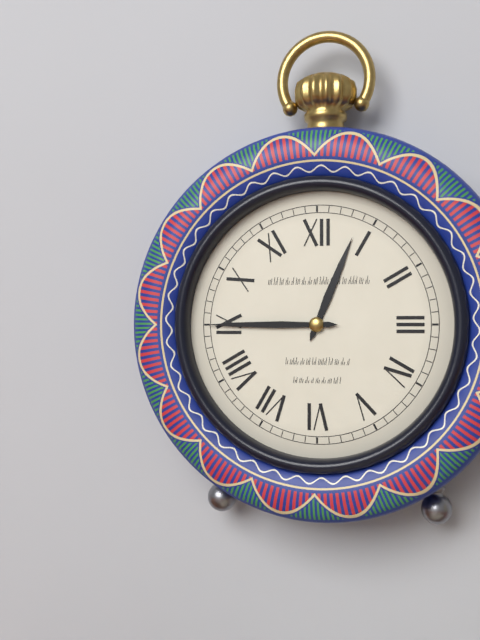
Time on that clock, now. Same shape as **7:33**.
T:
**12:45**
